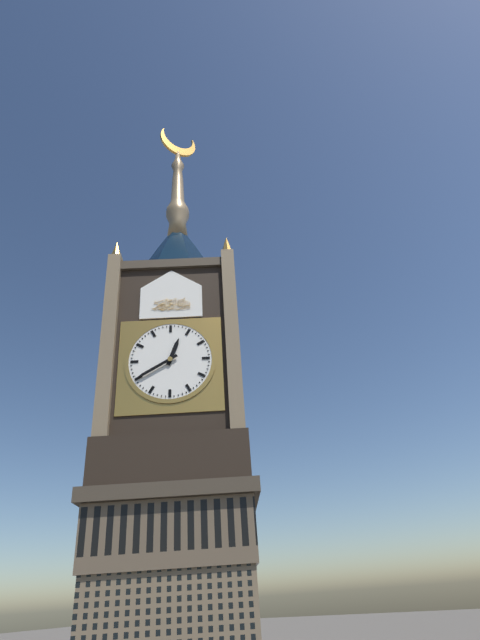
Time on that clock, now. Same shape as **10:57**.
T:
**12:40**
